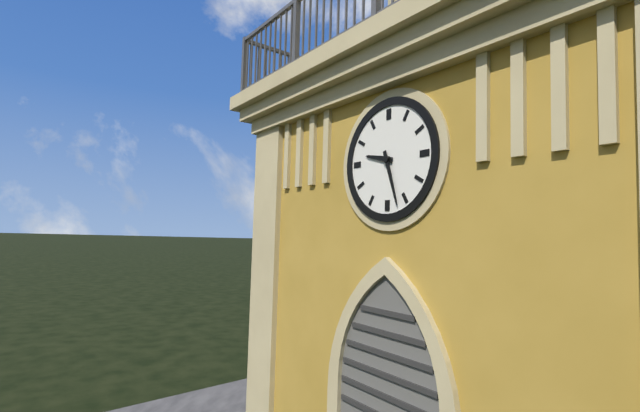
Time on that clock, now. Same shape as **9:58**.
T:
**9:27**
